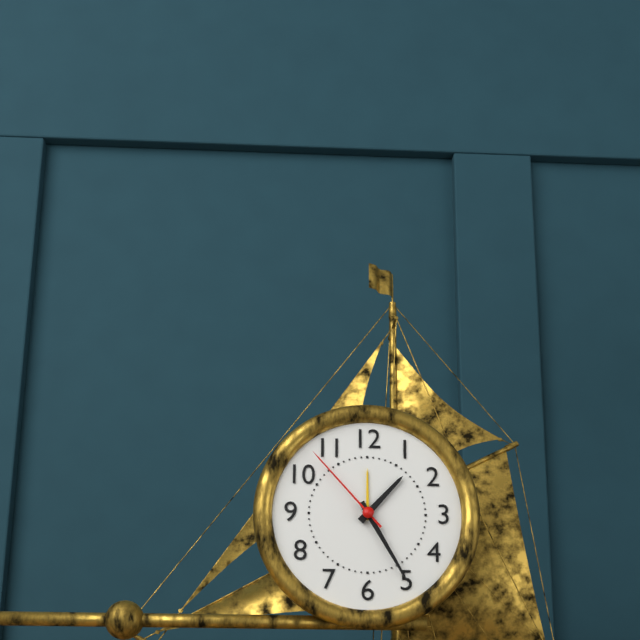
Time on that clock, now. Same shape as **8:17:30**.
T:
**1:25:53**
